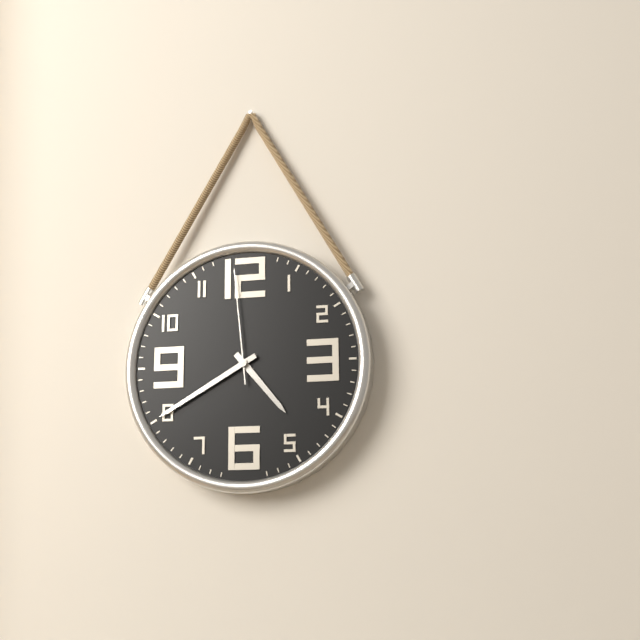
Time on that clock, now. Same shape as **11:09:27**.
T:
**4:40:59**
